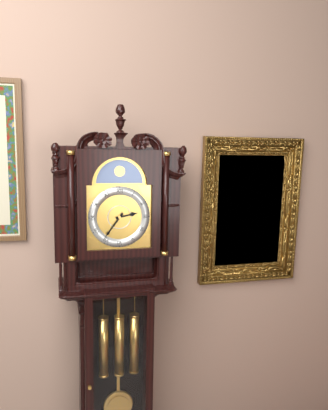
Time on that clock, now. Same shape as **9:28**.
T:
**2:36**
